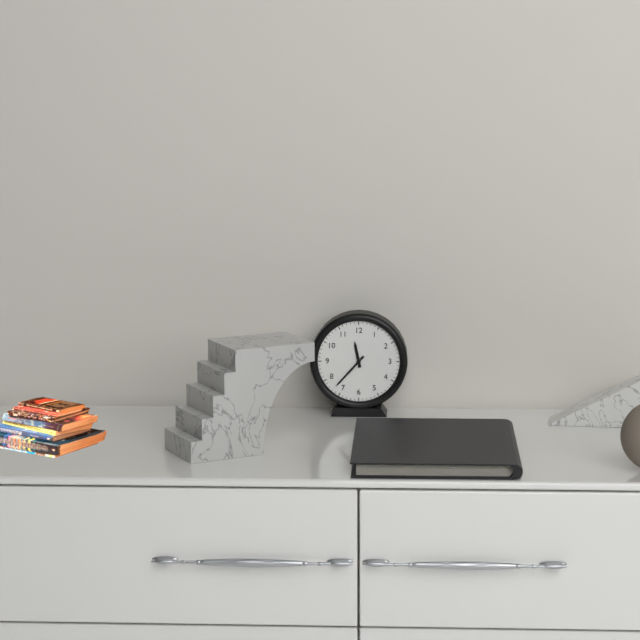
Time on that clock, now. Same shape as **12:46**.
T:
**11:37**
